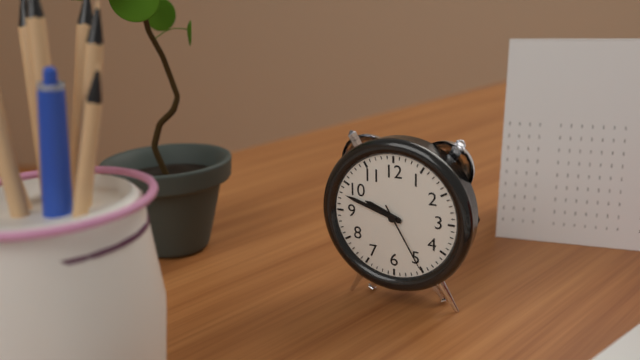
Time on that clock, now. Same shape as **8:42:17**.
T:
**9:48:25**
